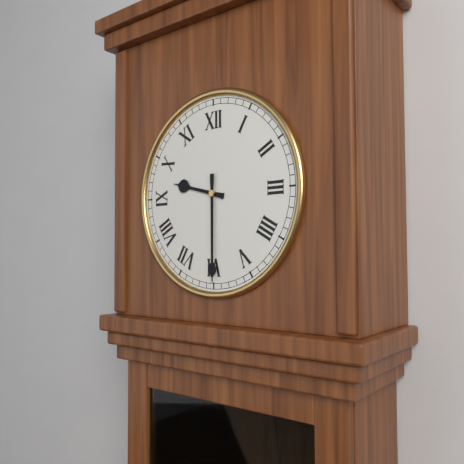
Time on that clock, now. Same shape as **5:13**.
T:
**9:30**
